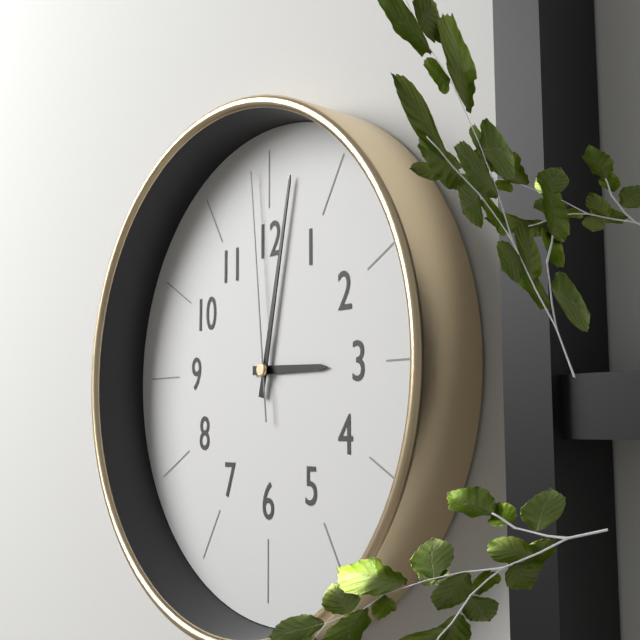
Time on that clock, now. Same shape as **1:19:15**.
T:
**3:02:59**
